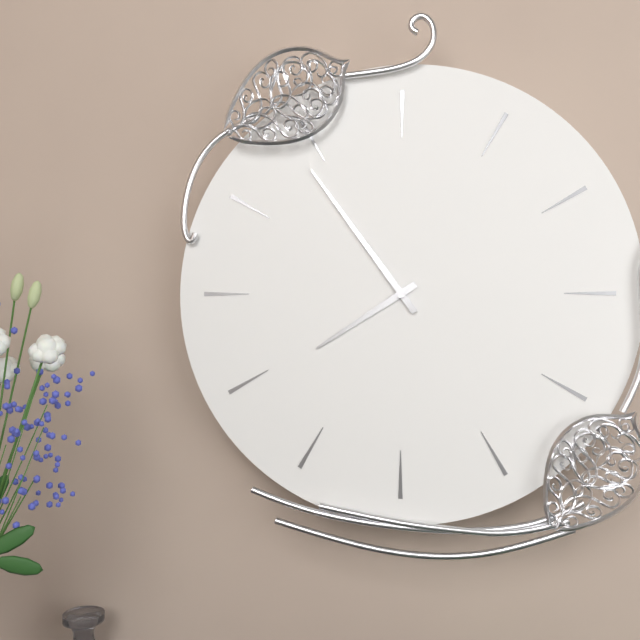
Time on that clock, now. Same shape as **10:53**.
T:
**7:54**
